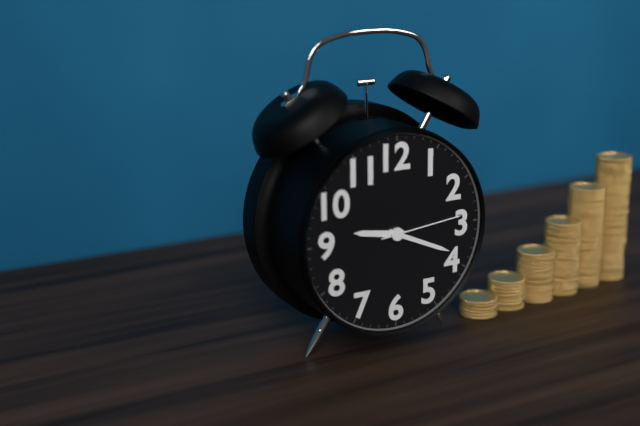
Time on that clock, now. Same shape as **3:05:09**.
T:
**9:19:14**
